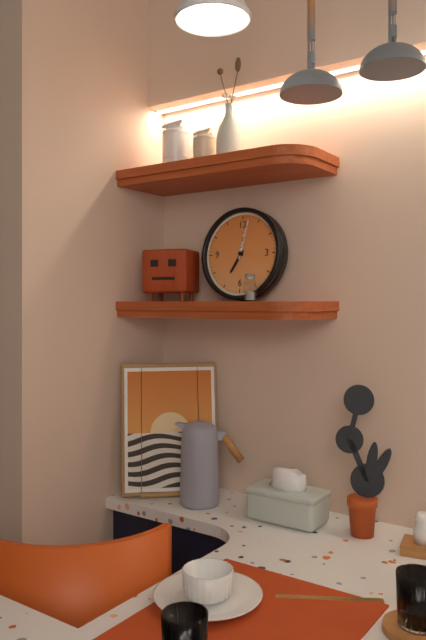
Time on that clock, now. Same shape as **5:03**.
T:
**7:02**
